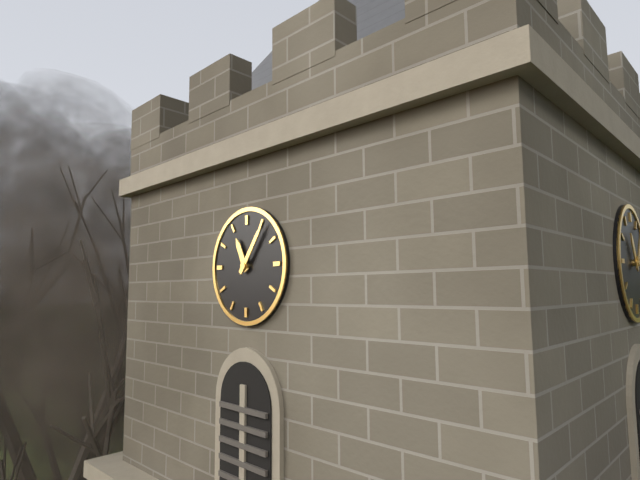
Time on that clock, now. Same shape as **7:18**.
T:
**11:06**
